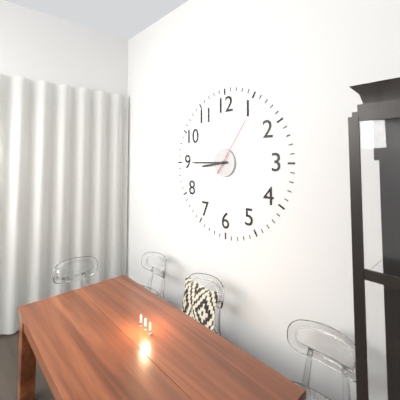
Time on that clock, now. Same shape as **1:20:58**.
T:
**8:45:06**
